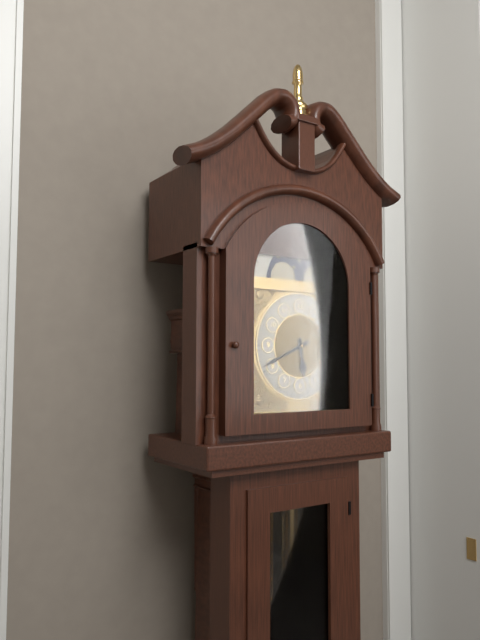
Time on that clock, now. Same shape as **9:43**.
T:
**5:41**
